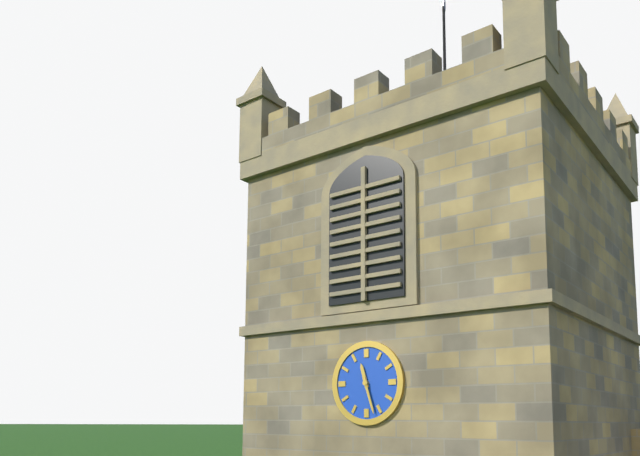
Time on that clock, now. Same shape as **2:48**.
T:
**11:27**
